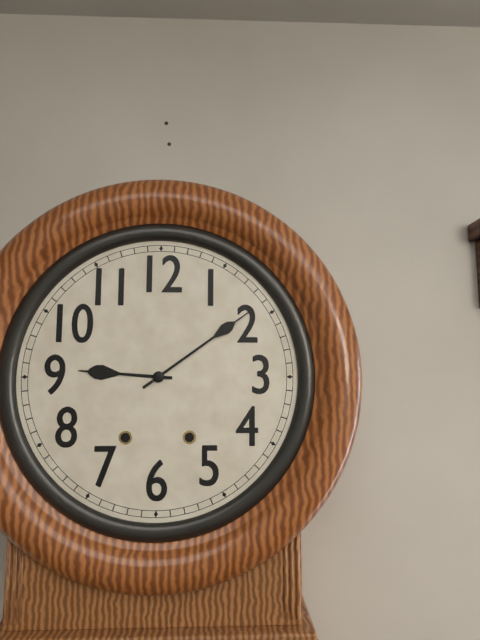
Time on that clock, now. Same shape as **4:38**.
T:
**9:09**
